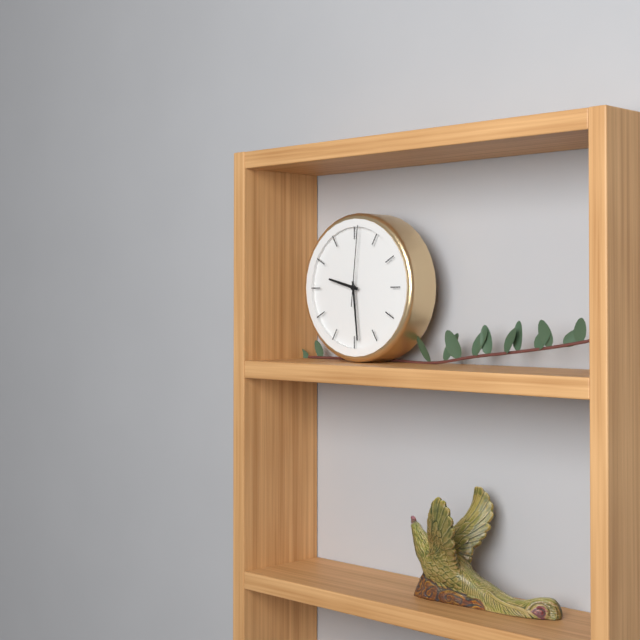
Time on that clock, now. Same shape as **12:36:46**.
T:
**9:29:01**
